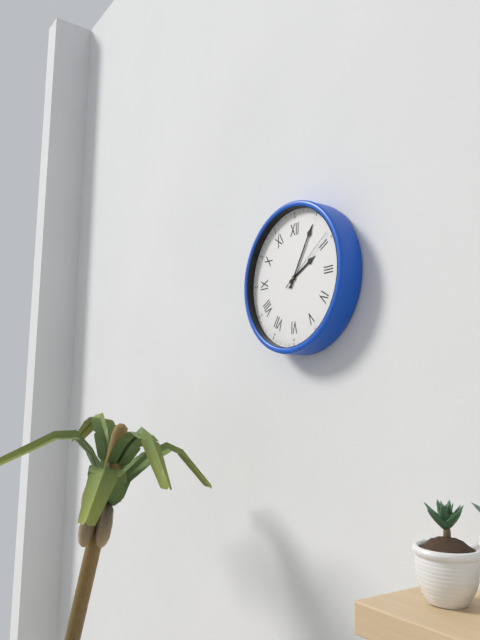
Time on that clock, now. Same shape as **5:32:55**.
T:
**2:05:09**
